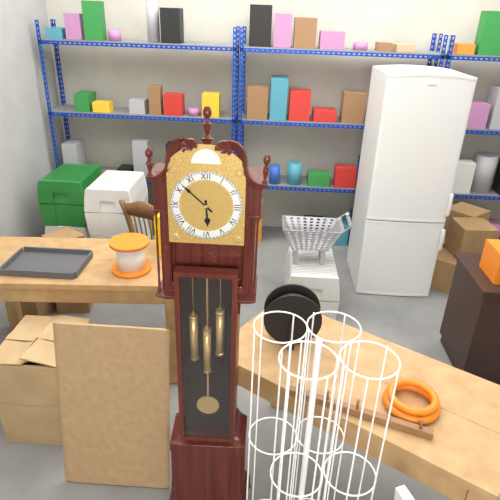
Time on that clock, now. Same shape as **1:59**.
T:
**5:52**
